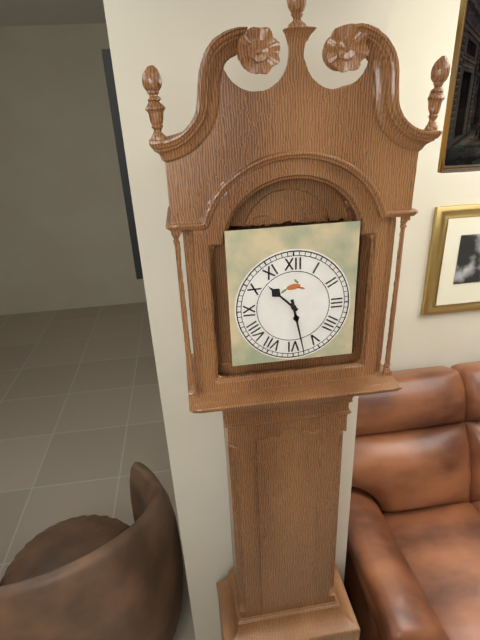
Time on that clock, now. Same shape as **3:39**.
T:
**10:28**
